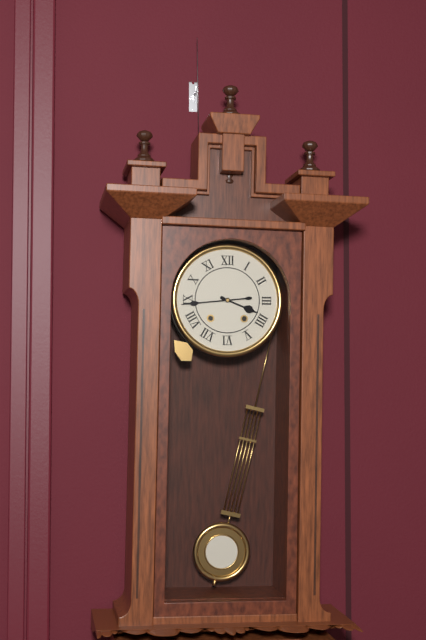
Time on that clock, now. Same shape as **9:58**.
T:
**3:44**
